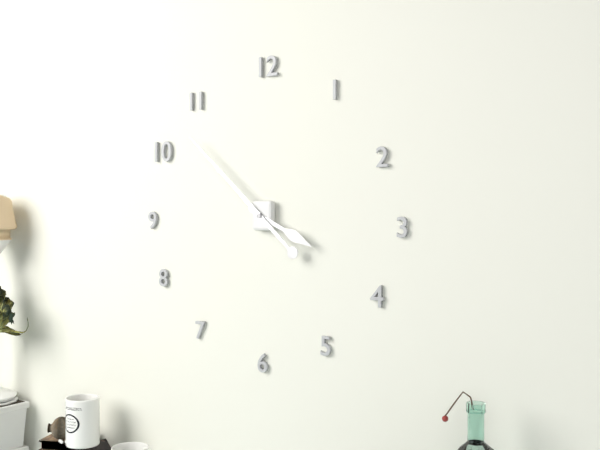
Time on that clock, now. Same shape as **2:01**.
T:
**3:52**
